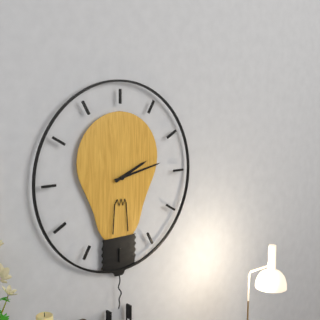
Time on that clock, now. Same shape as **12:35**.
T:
**2:13**
